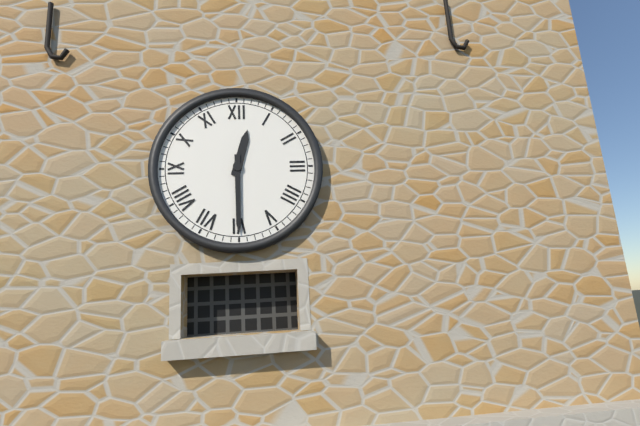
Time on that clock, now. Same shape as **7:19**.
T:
**12:30**
